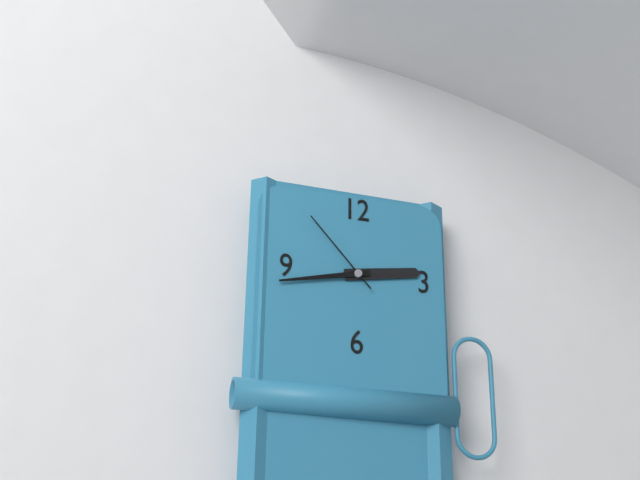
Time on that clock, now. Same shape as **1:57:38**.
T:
**2:43:53**
